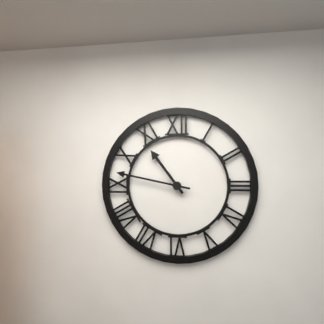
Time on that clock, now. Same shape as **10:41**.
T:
**10:47**
